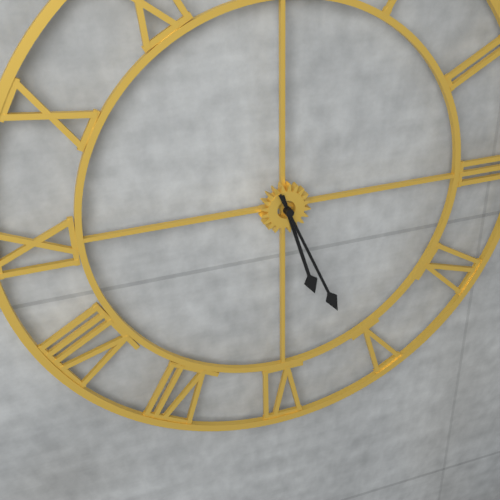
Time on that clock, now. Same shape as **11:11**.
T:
**5:26**
